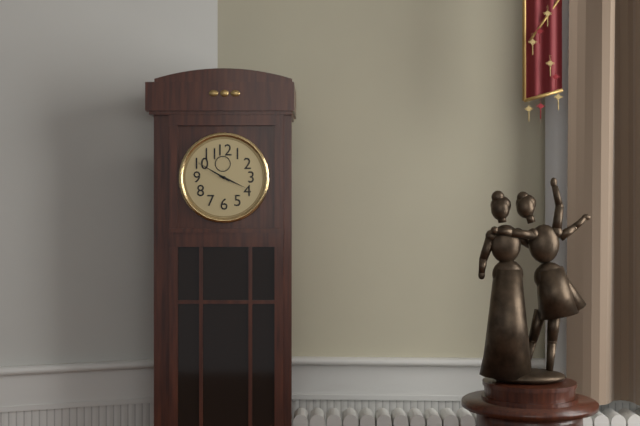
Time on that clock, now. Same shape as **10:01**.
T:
**3:50**
